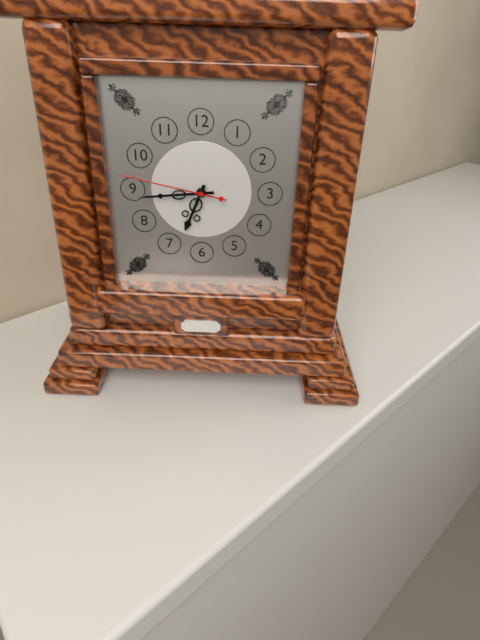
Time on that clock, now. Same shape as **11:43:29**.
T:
**6:44:47**
